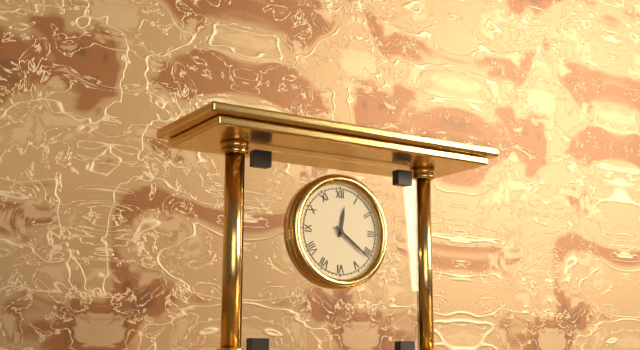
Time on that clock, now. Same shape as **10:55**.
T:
**12:21**
